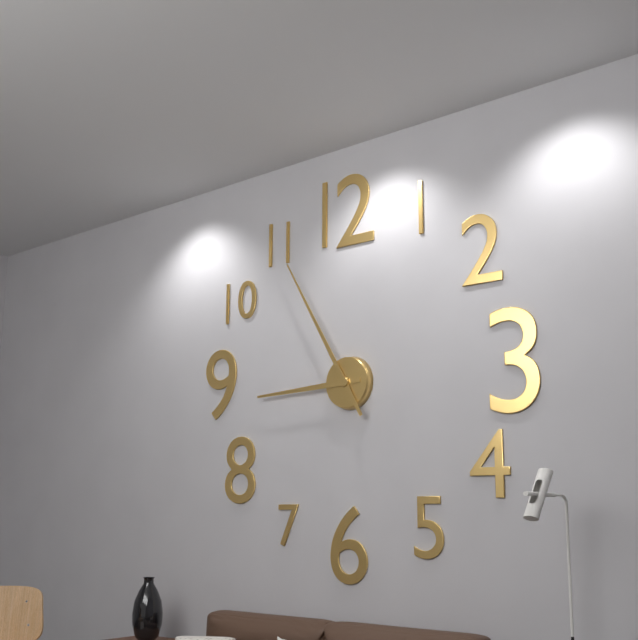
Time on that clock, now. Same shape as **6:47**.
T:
**8:55**
